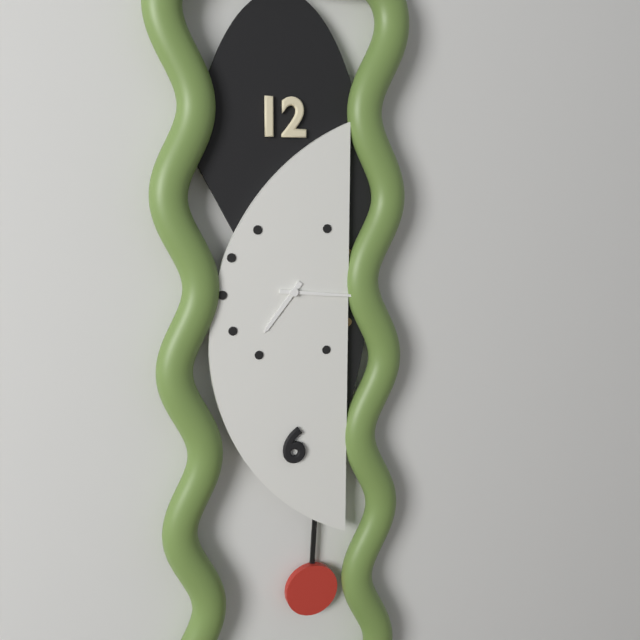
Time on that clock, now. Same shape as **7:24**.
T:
**7:16**
